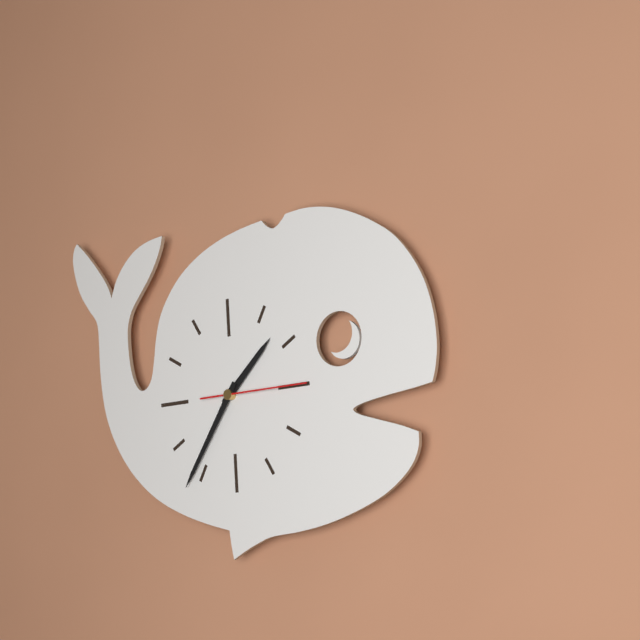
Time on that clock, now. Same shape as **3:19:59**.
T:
**1:36:15**
